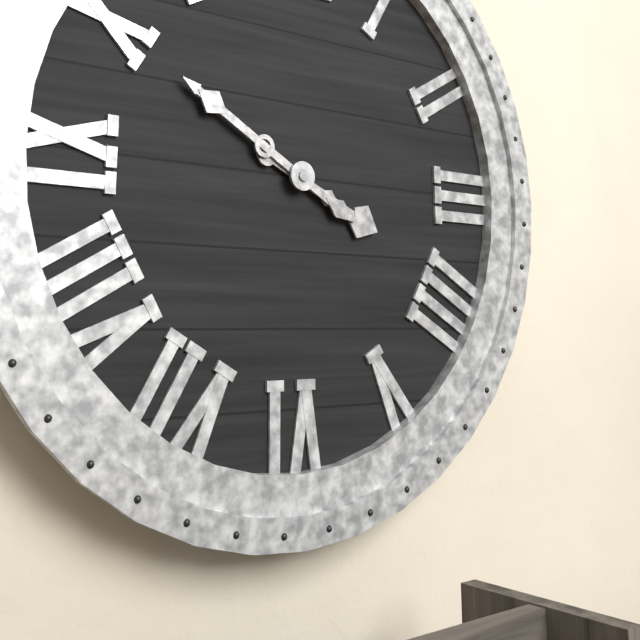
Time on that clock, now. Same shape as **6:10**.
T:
**3:50**
